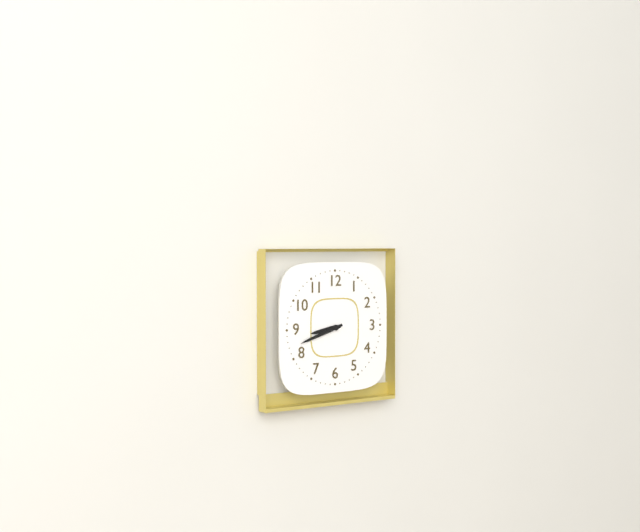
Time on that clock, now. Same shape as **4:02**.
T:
**8:42**
